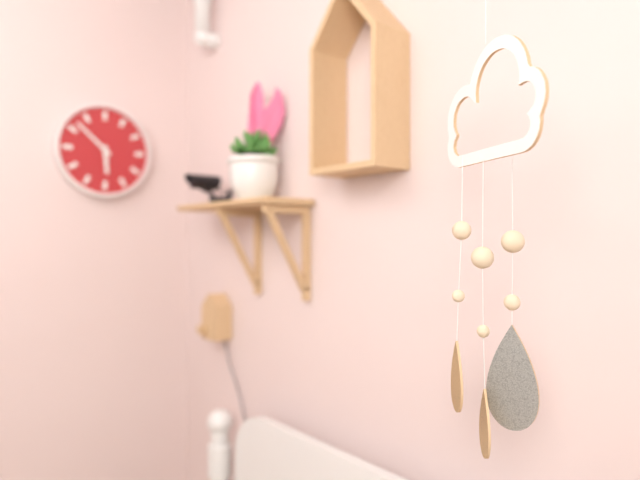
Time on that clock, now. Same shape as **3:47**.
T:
**5:52**
